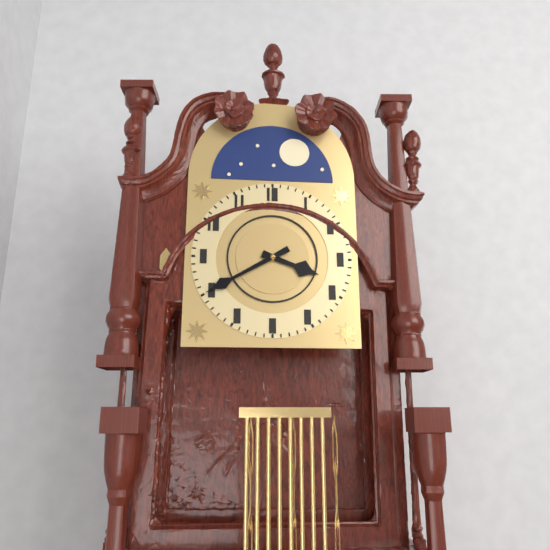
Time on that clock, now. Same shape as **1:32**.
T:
**3:40**
